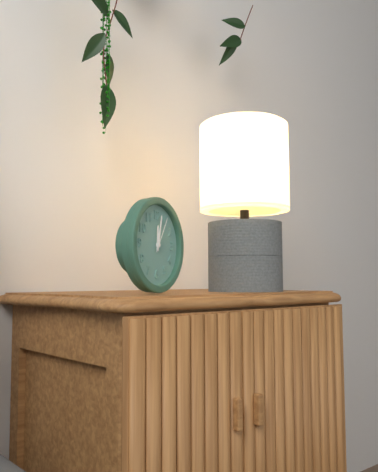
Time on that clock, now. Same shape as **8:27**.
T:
**12:02**
